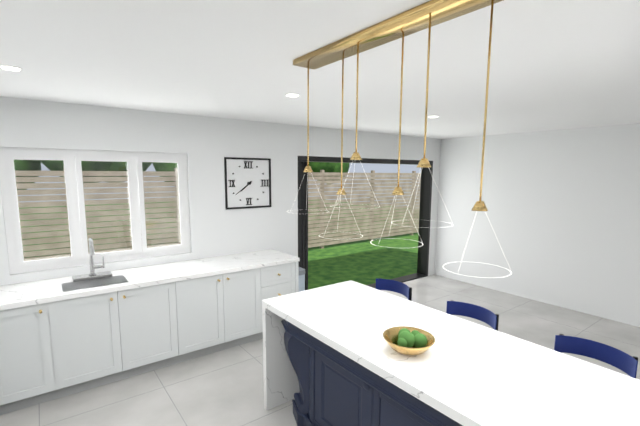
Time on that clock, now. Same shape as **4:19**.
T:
**7:39**
